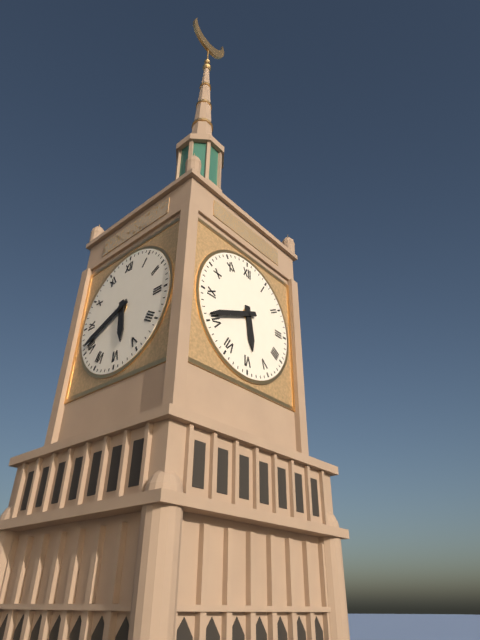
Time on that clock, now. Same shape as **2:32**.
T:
**5:41**
